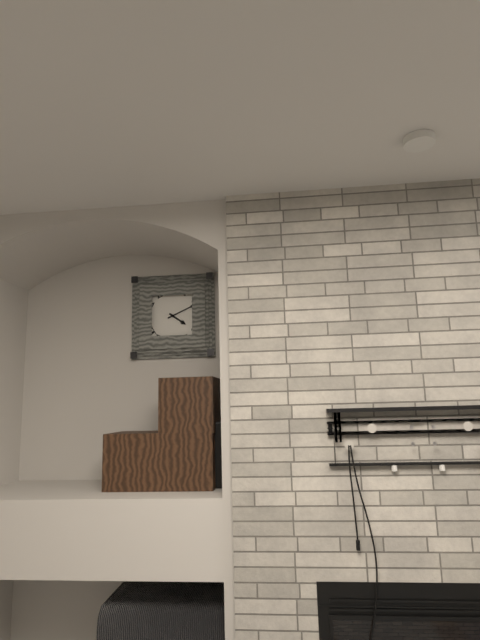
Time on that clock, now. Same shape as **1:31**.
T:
**4:11**
